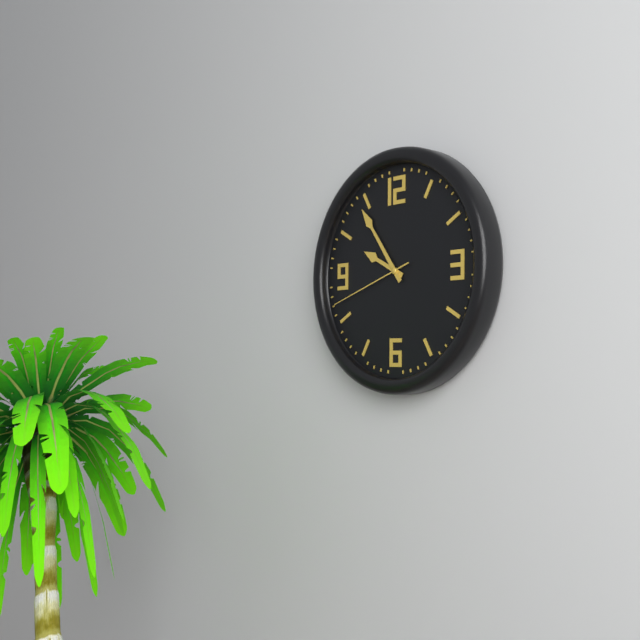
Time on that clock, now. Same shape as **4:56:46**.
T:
**9:54:42**
